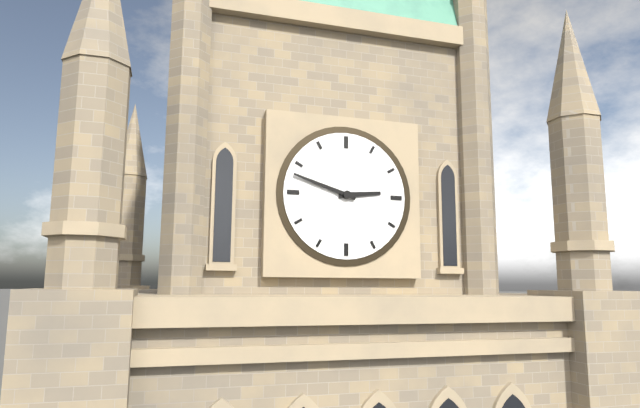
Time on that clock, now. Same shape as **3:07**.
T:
**2:48**
